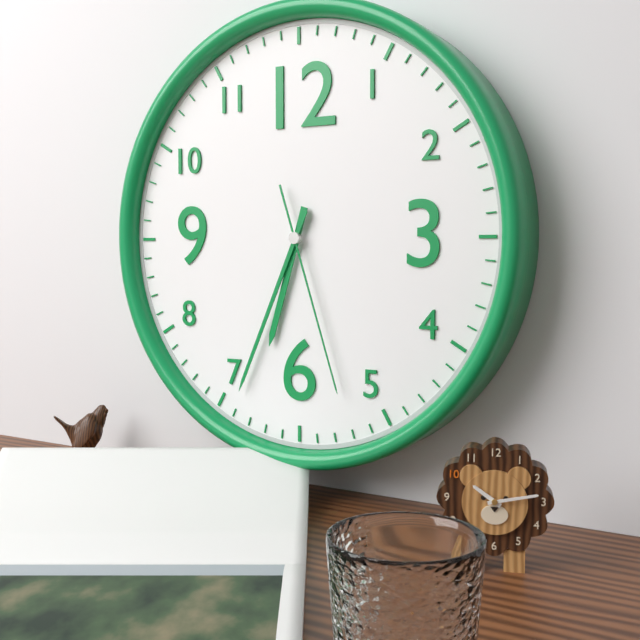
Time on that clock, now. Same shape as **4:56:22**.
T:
**6:34:27**
